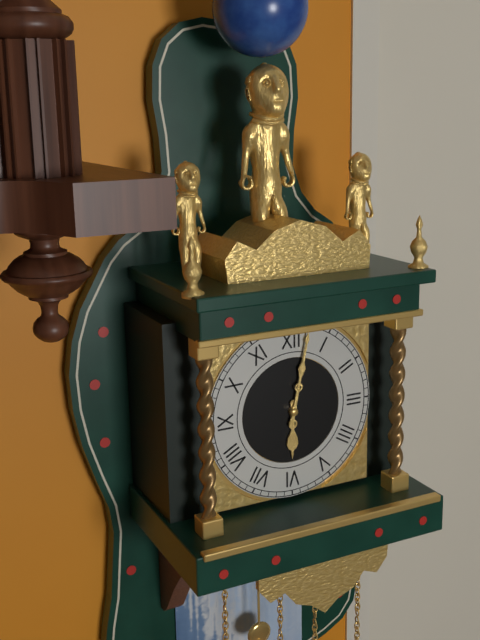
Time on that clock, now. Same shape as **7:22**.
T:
**6:02**
